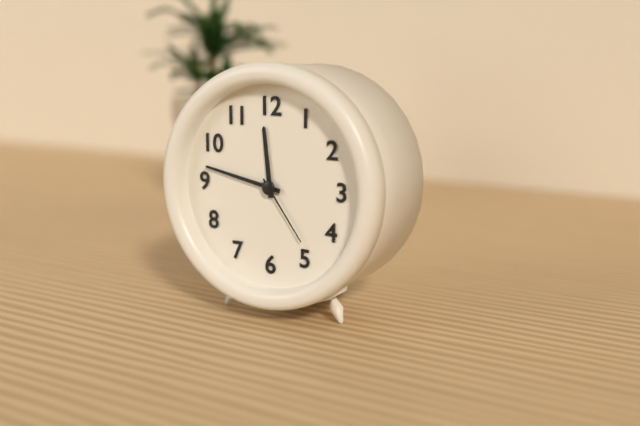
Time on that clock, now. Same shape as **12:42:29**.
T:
**11:47:24**
